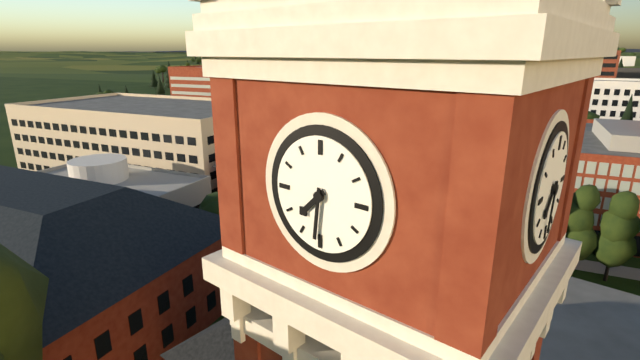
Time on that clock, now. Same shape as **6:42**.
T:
**7:31**
